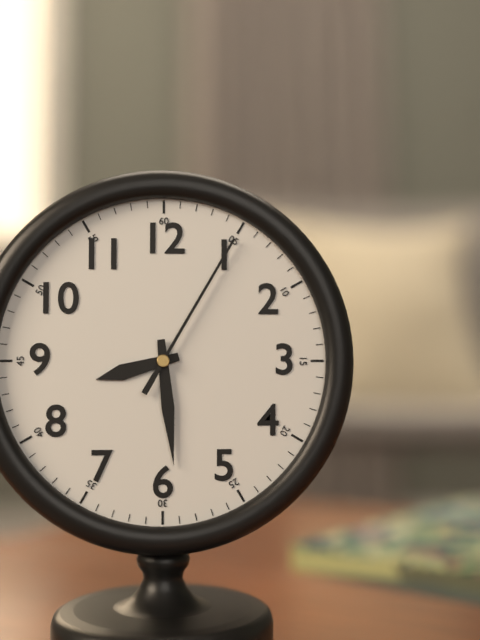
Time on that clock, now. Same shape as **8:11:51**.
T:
**8:29:05**
